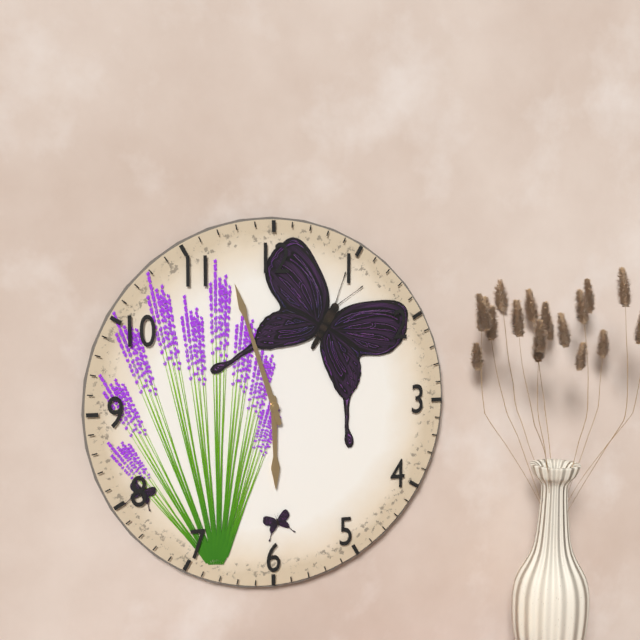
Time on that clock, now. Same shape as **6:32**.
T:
**5:57**
